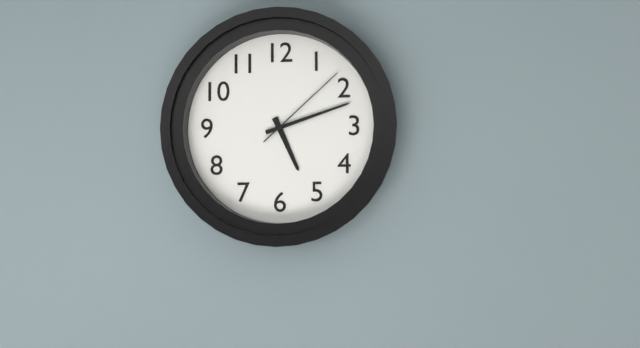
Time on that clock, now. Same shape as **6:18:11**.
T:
**5:12:08**
